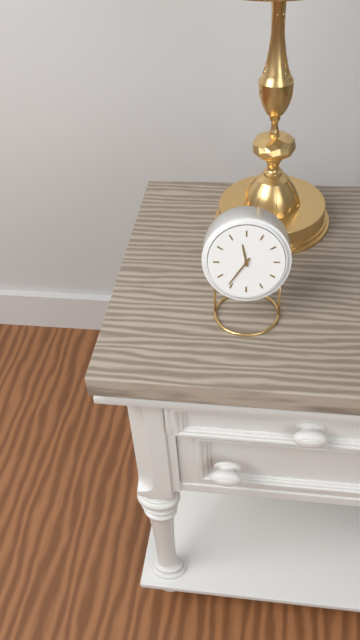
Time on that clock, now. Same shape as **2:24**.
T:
**11:36**
